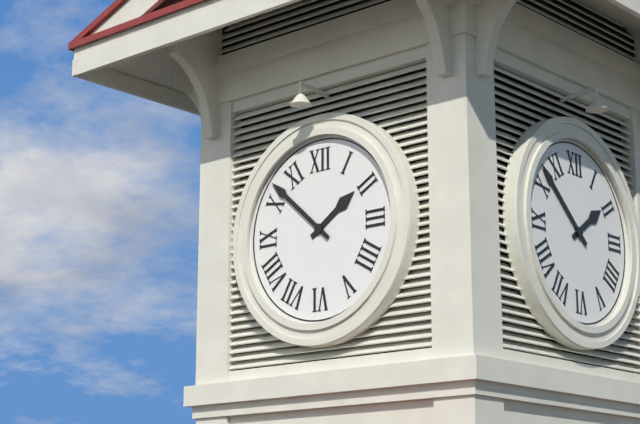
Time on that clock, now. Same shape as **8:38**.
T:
**1:52**
